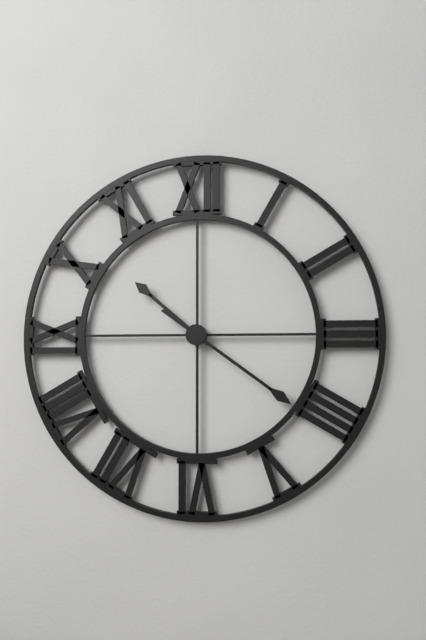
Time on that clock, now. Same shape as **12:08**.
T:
**10:21**
